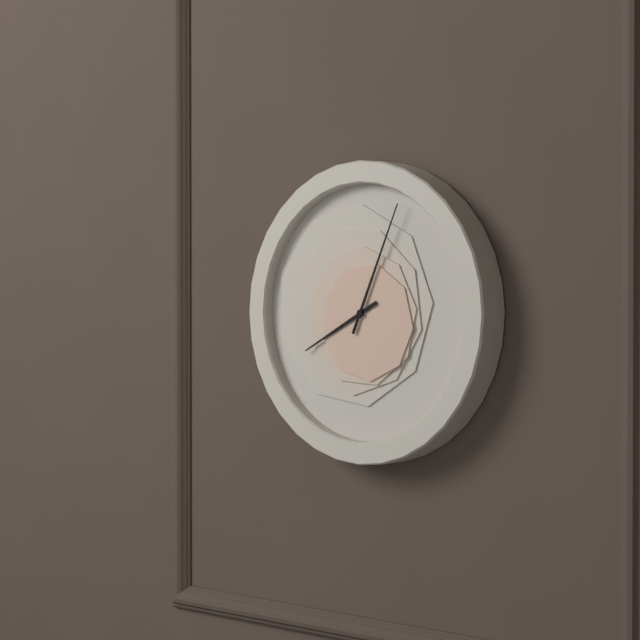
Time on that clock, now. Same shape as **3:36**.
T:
**8:04**
